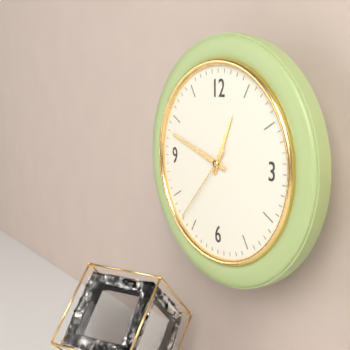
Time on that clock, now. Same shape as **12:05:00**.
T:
**12:48:37**
